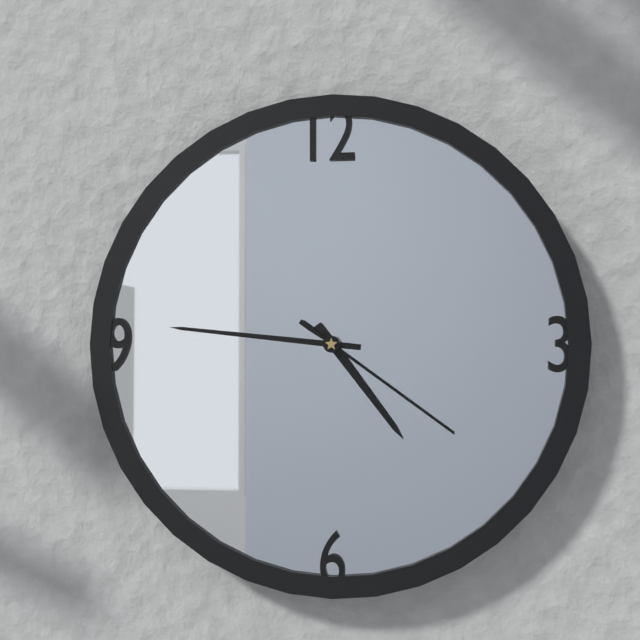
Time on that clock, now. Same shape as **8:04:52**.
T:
**4:46:21**
